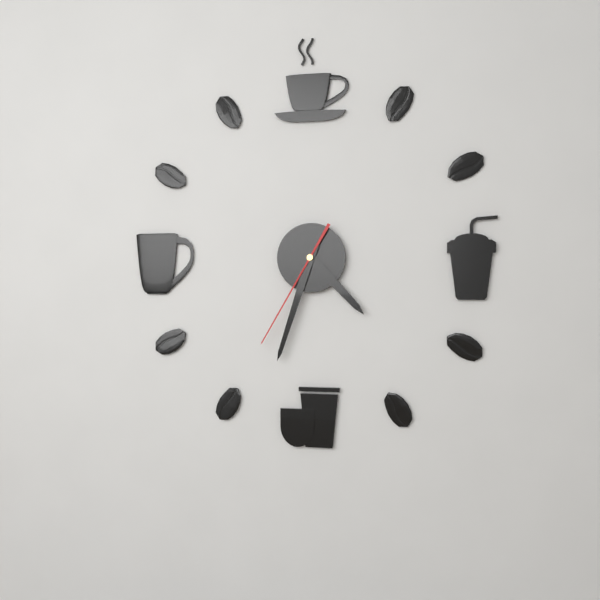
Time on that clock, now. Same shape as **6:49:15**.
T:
**4:33:35**
